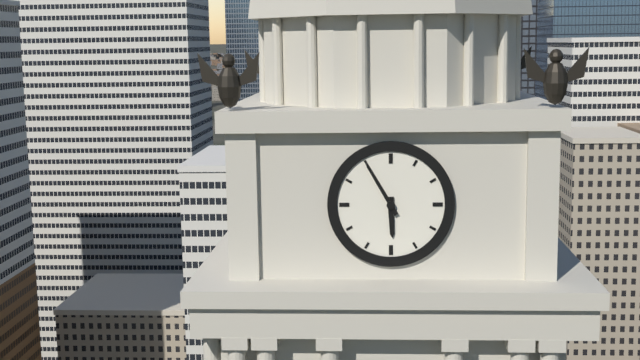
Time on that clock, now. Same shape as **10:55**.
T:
**5:55**
